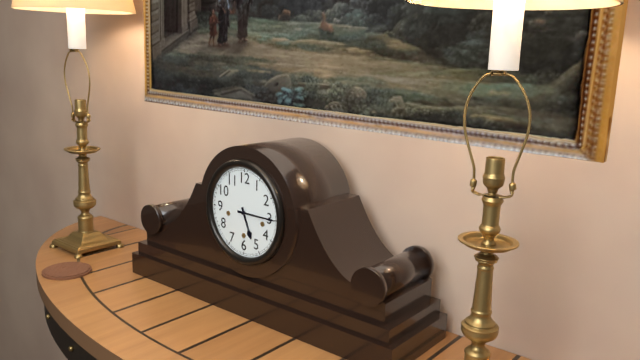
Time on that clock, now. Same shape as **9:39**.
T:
**5:15**
